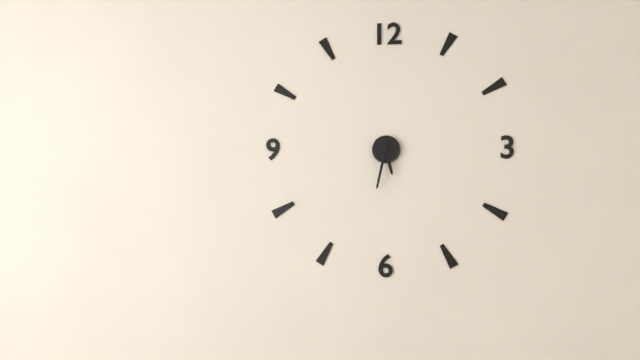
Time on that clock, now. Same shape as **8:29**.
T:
**5:32**
